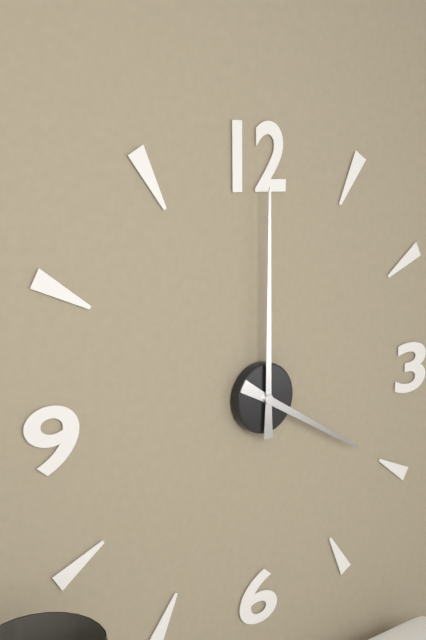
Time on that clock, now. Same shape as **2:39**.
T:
**4:00**
